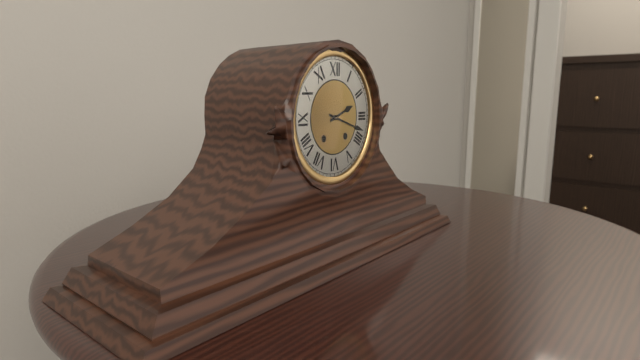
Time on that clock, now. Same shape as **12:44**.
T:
**2:18**
